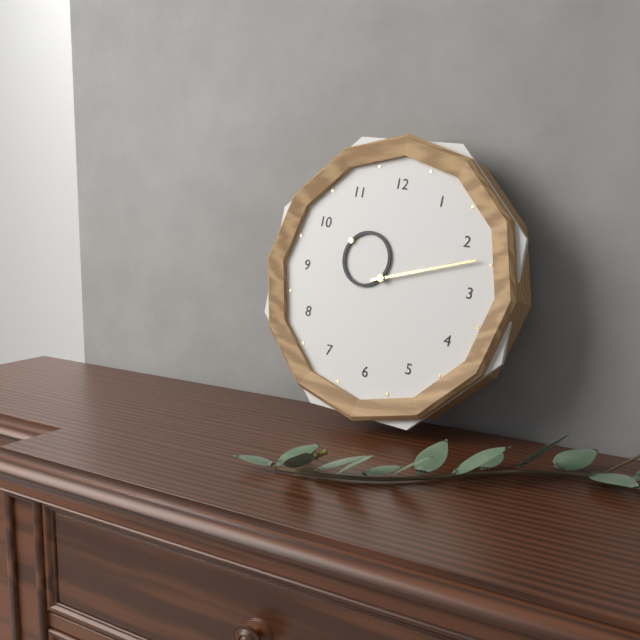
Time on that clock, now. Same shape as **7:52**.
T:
**10:12**
